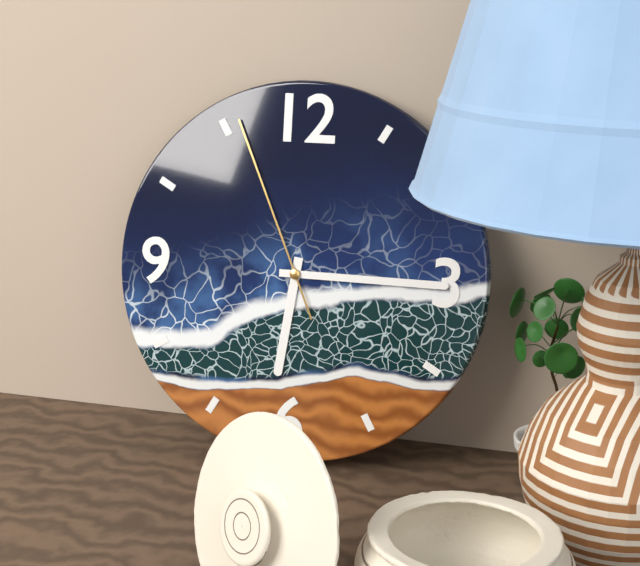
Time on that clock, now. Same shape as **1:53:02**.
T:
**6:15:56**
